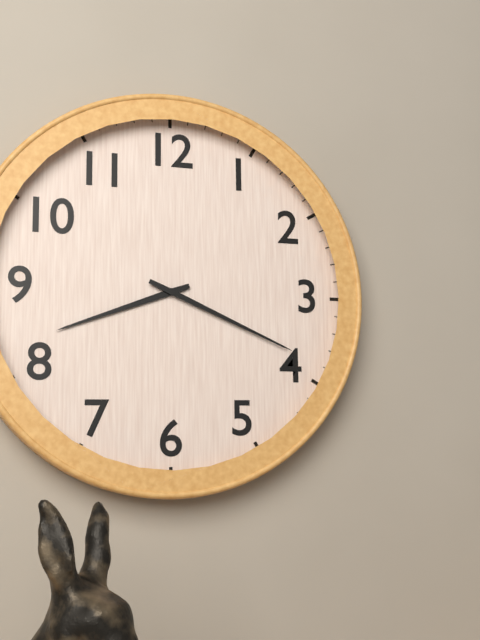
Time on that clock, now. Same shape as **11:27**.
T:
**8:19**
